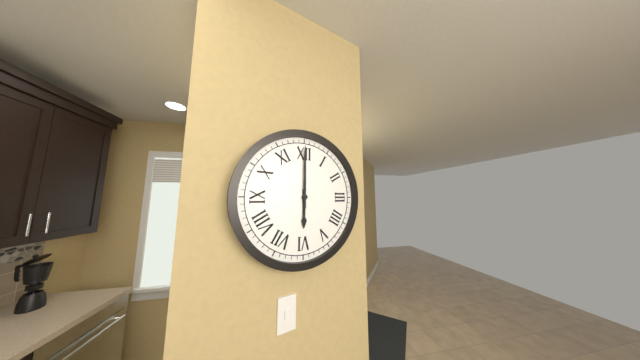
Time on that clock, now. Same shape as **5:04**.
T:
**6:00**
